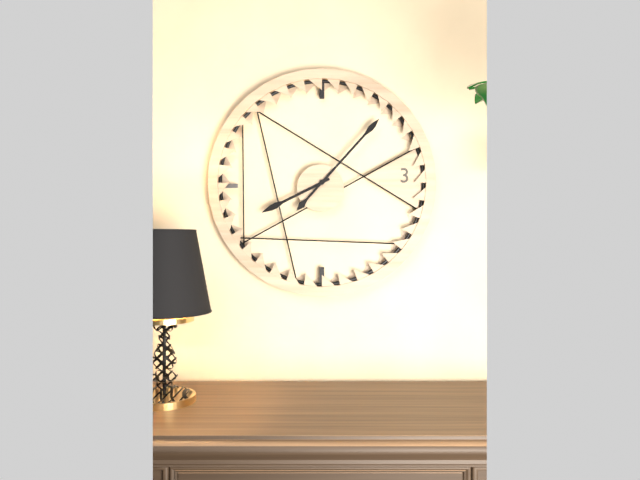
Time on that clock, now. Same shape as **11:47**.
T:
**8:07**
